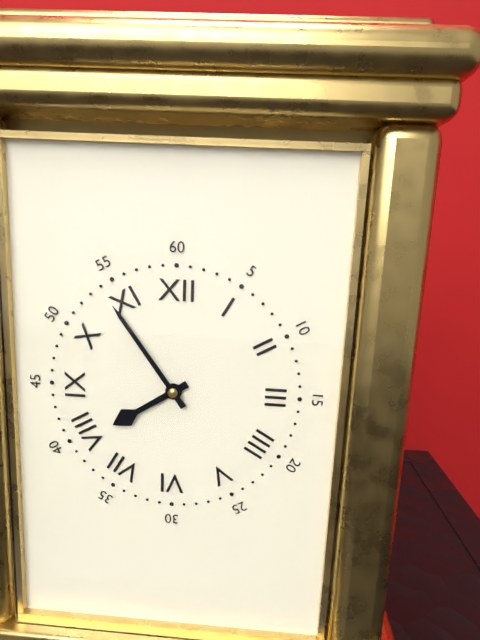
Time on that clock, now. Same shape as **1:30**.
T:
**7:54**
